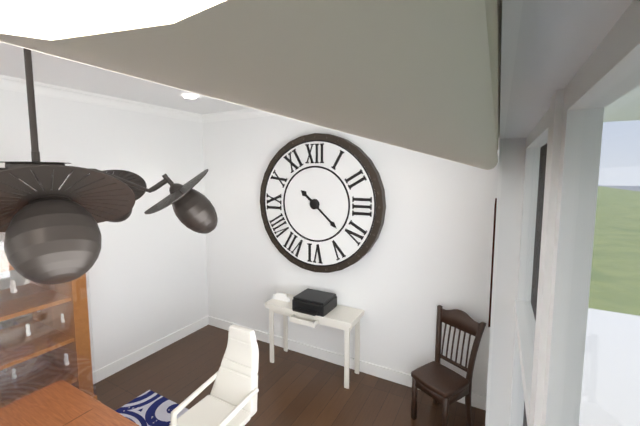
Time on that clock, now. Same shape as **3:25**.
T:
**10:22**
